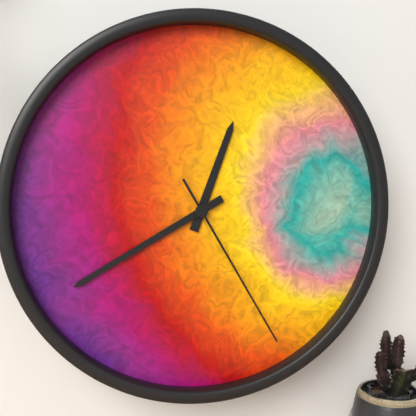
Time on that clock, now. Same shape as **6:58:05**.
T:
**12:40:25**
